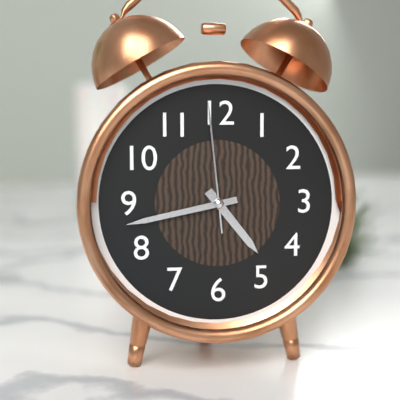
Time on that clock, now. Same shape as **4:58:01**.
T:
**4:43:59**
